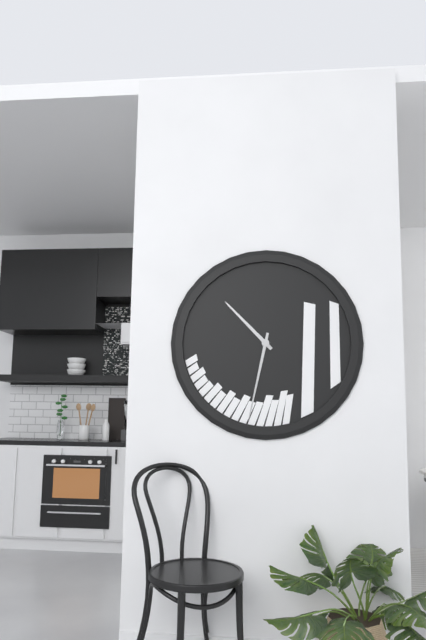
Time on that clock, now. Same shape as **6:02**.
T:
**10:32**
